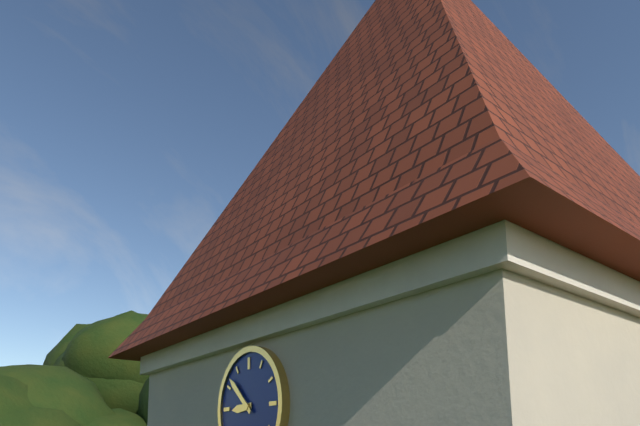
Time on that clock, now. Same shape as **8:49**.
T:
**8:52**
